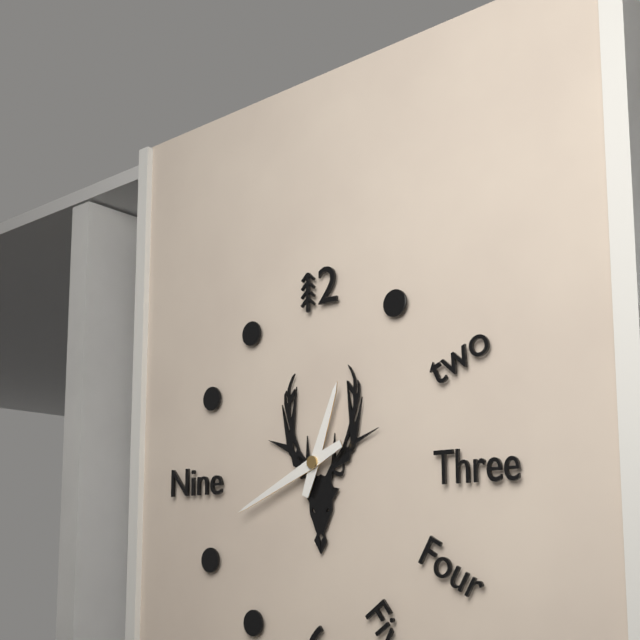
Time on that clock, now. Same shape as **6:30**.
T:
**12:41**
